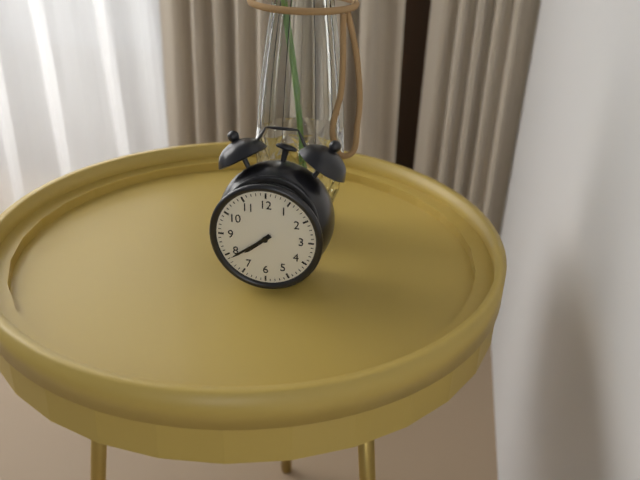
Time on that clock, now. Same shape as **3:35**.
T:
**7:39**
